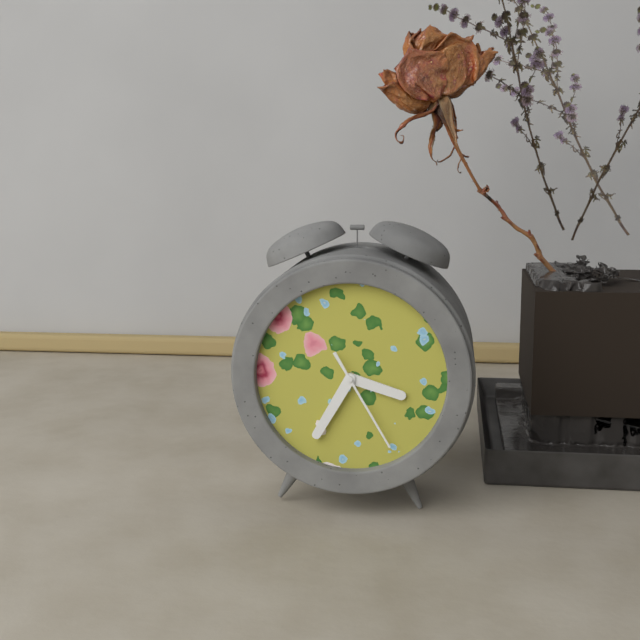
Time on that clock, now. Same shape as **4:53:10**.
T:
**3:35:25**
